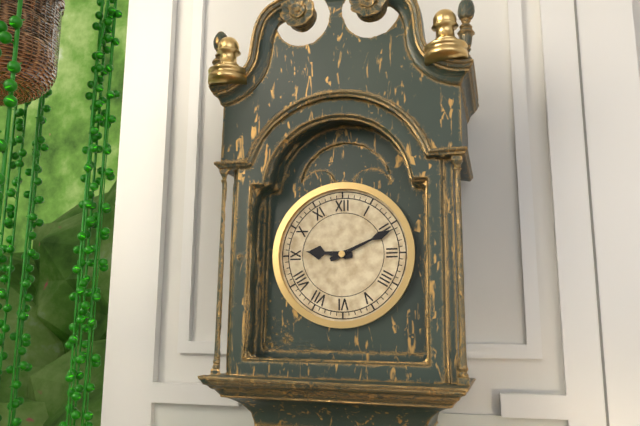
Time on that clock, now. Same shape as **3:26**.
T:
**9:11**
